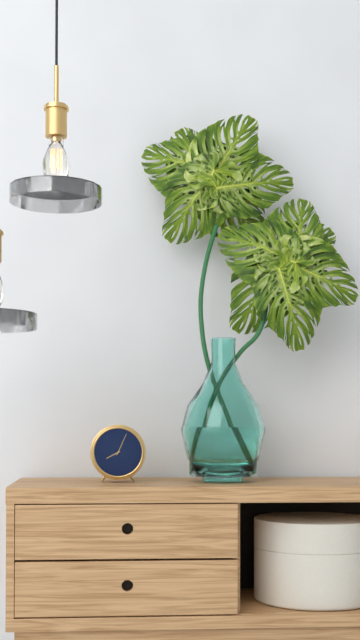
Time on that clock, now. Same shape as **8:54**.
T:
**8:04**
